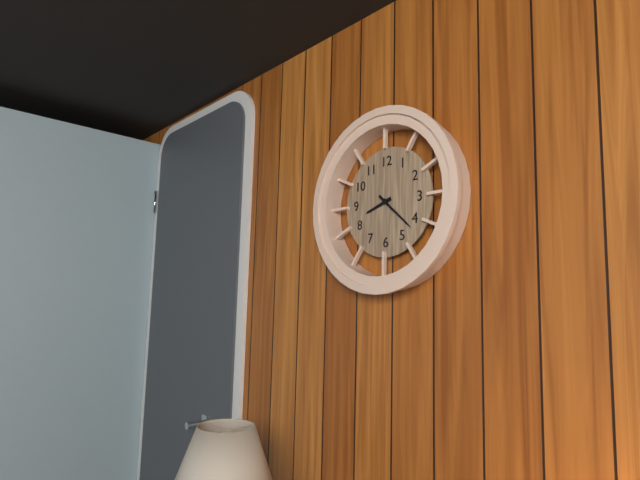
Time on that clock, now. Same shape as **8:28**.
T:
**8:22**
